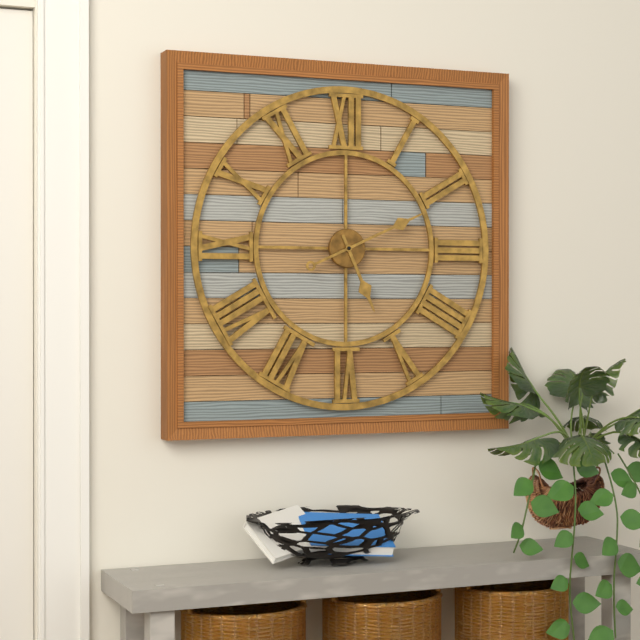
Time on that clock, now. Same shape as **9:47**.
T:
**5:11**
